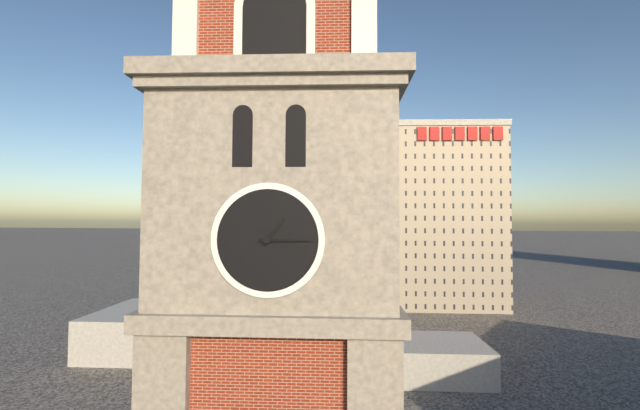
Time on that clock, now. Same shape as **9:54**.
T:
**1:15**
